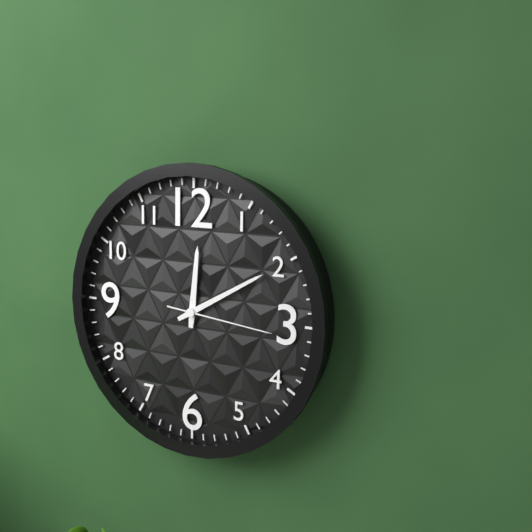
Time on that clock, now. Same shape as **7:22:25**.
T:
**12:10:16**
